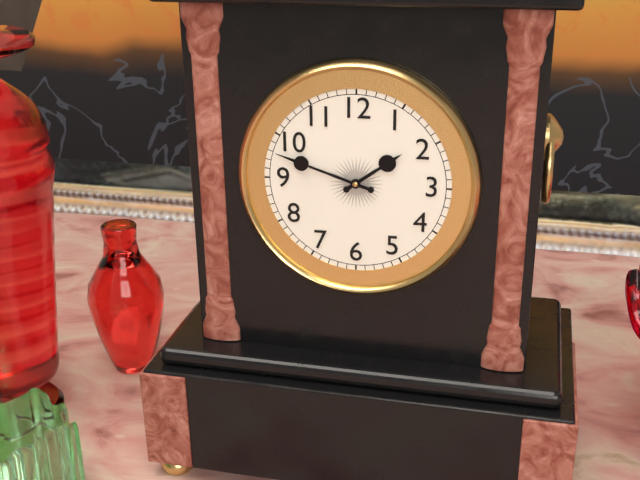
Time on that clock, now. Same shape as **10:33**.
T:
**1:48**
